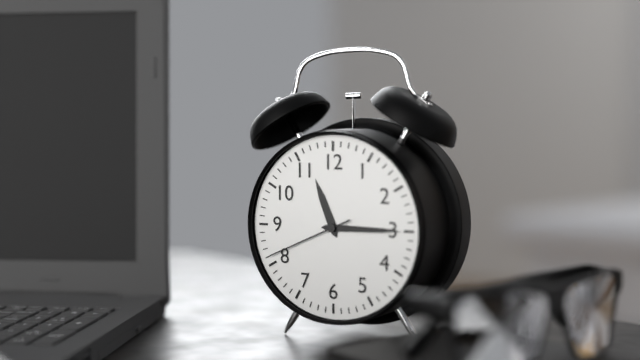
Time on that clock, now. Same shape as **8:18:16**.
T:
**11:15:41**
